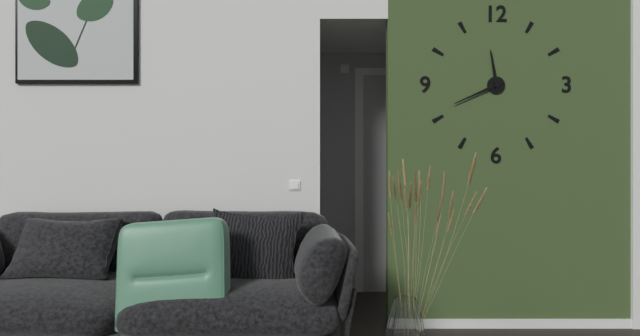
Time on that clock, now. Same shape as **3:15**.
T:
**11:41**
